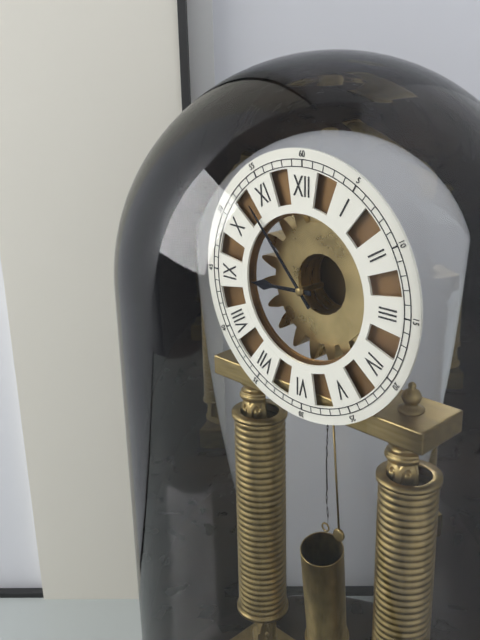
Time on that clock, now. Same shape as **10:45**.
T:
**8:53**
